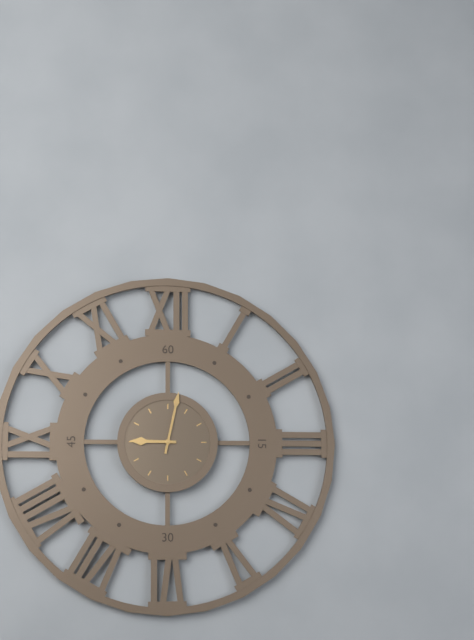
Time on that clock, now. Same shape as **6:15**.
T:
**9:02**
